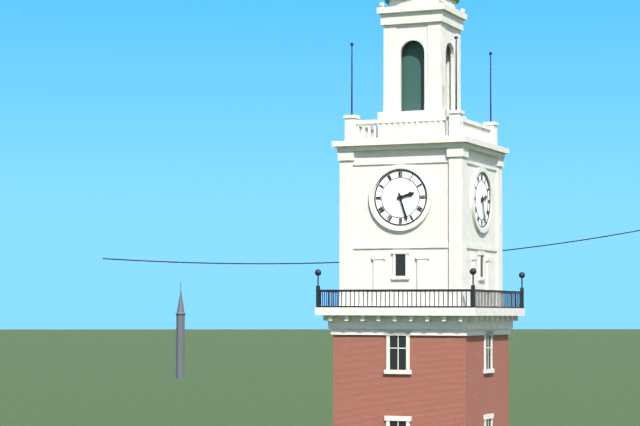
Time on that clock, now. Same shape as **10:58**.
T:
**2:27**
